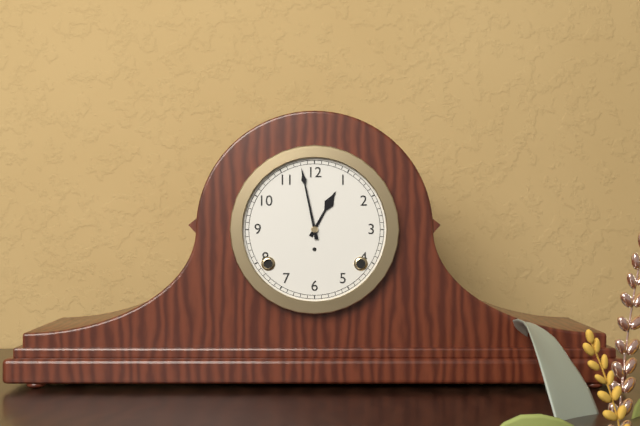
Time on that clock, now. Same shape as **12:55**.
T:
**12:58**
